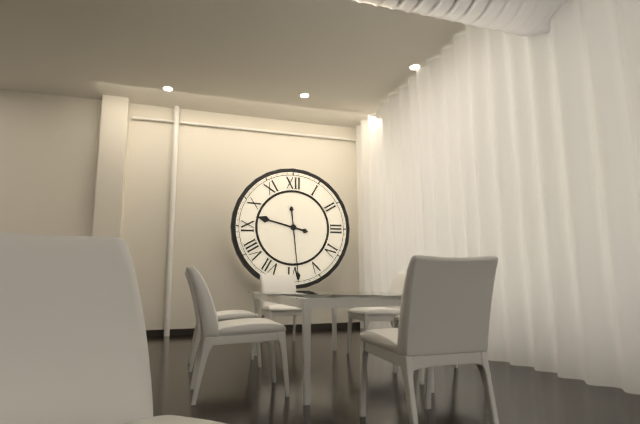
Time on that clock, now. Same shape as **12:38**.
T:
**9:29**
